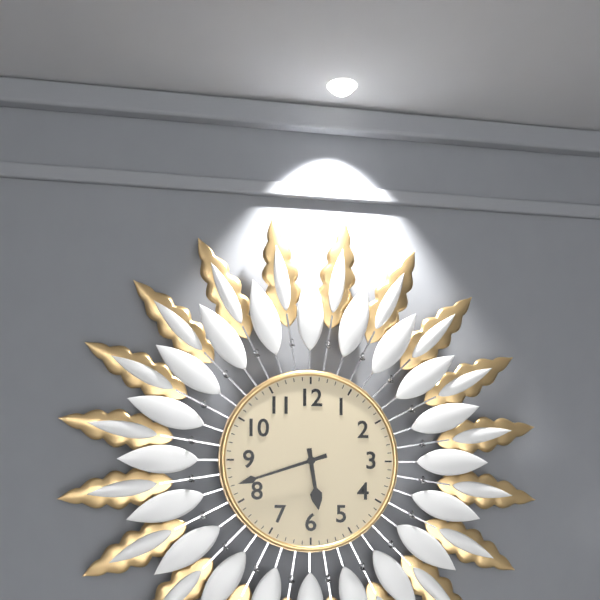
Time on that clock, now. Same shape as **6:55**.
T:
**5:42**
